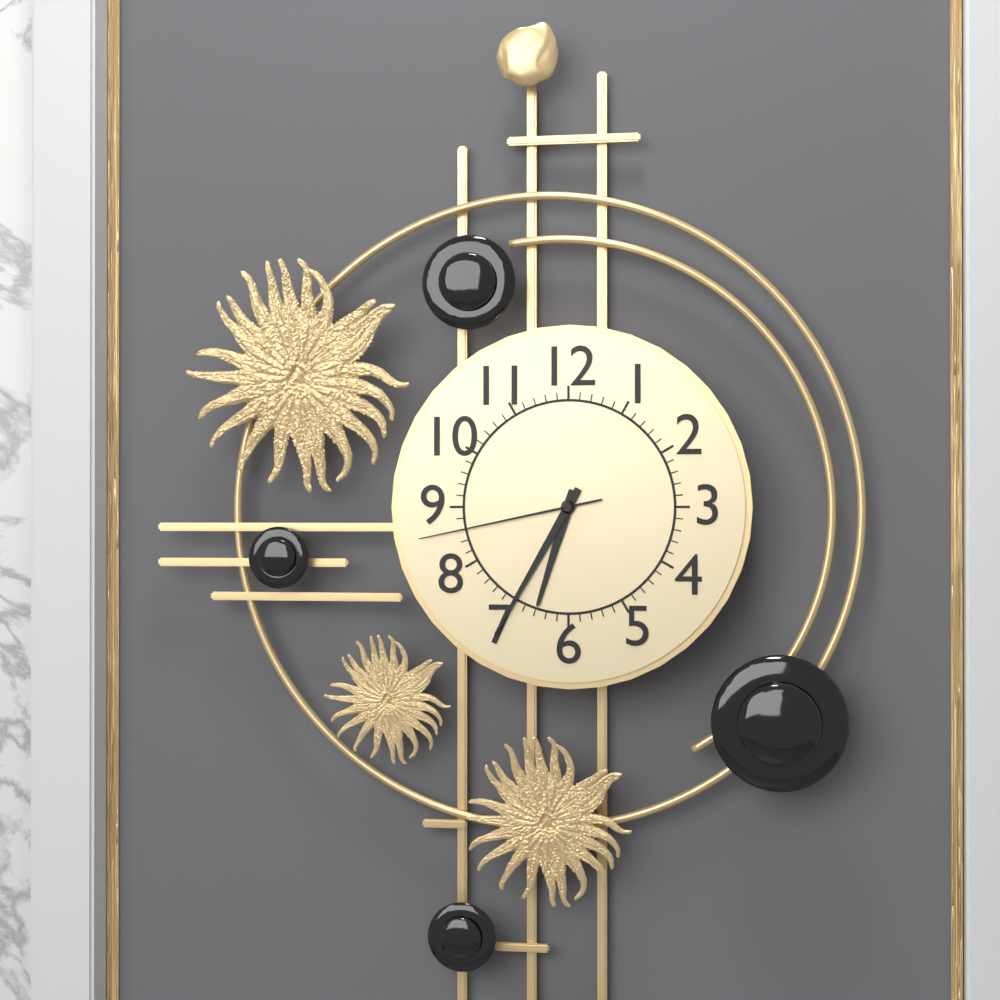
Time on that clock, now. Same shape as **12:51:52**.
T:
**6:35:43**
